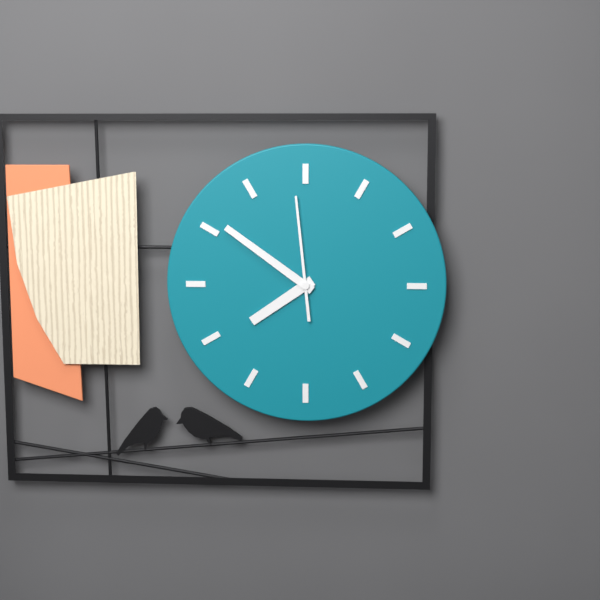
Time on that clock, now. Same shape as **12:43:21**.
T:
**7:51:59**
